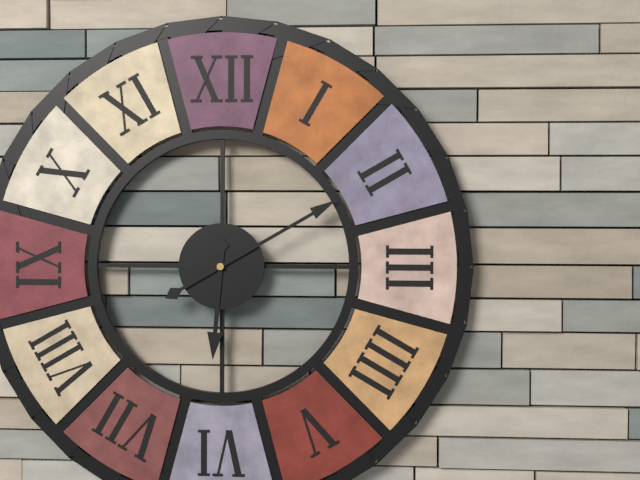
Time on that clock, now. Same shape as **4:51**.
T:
**6:10**
